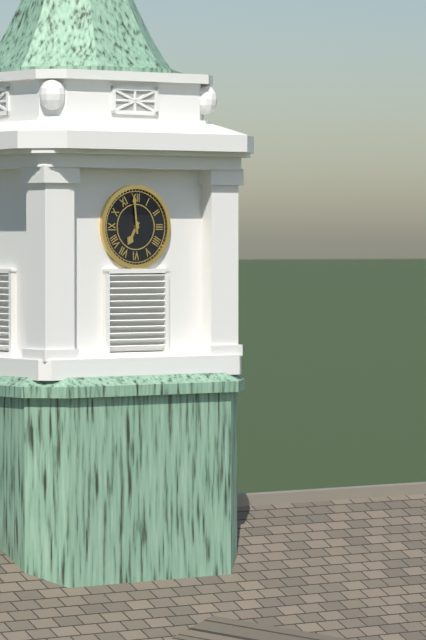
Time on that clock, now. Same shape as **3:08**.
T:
**6:59**
